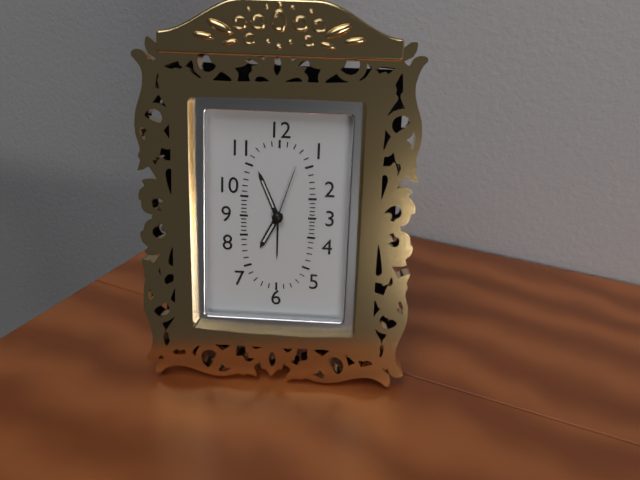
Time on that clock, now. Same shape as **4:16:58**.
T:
**6:56:03**
